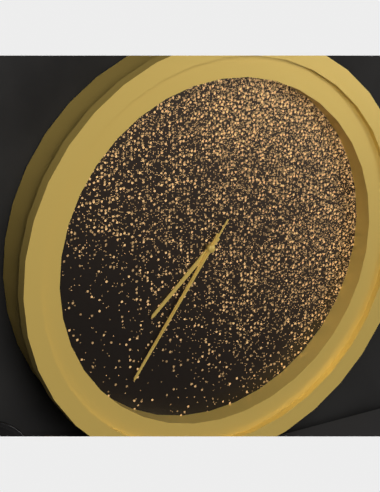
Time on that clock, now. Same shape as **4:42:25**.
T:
**7:36:36**
